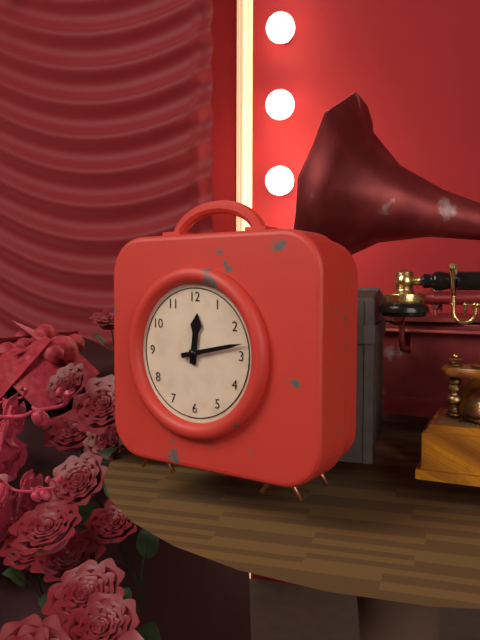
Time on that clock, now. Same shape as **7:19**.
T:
**12:13**
